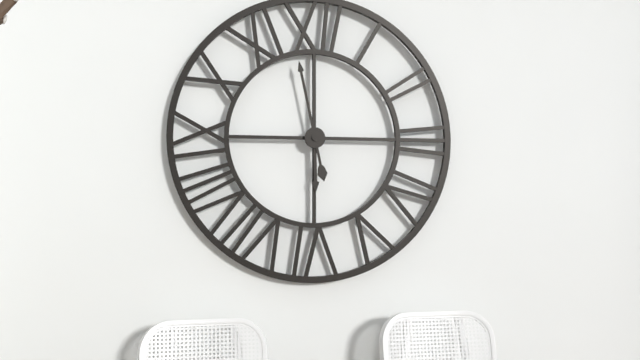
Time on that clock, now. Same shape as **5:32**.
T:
**5:58**
